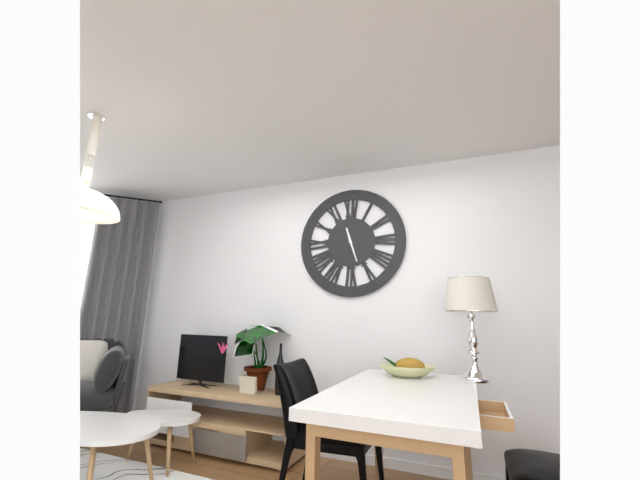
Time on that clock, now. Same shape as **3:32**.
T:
**11:27**
